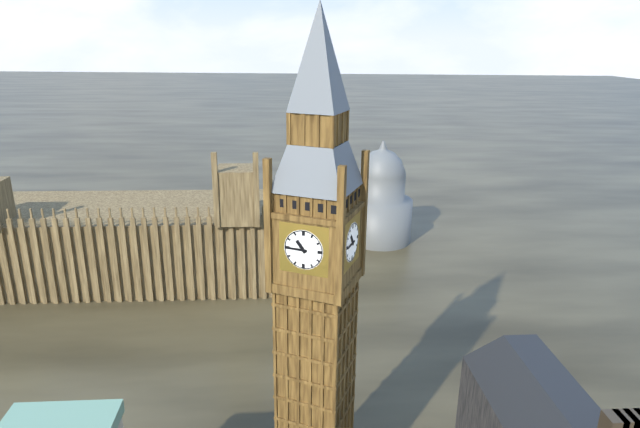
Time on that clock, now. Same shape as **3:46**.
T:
**10:45**
